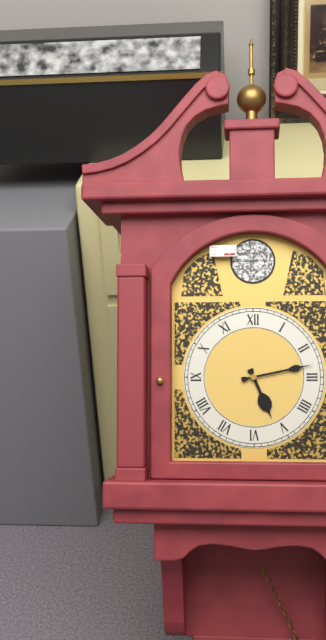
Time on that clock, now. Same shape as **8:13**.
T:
**5:13**
